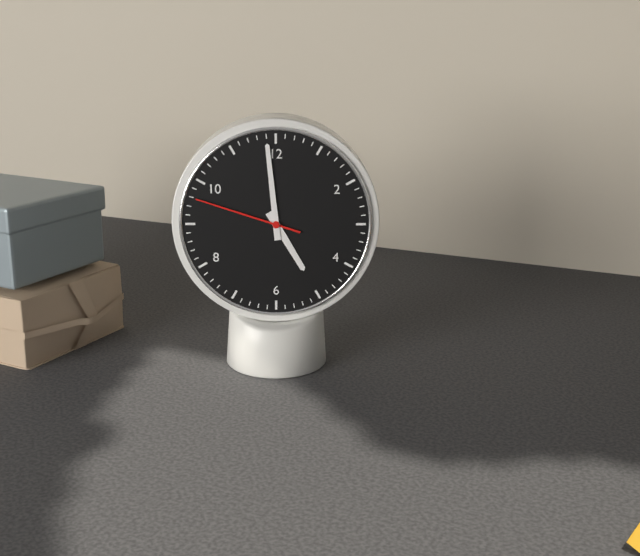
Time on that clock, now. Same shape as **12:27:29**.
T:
**4:59:48**
